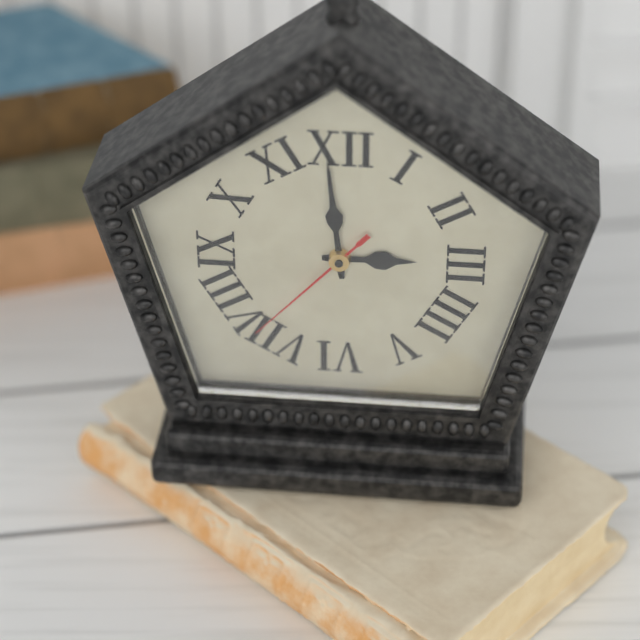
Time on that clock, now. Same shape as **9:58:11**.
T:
**2:59:37**
